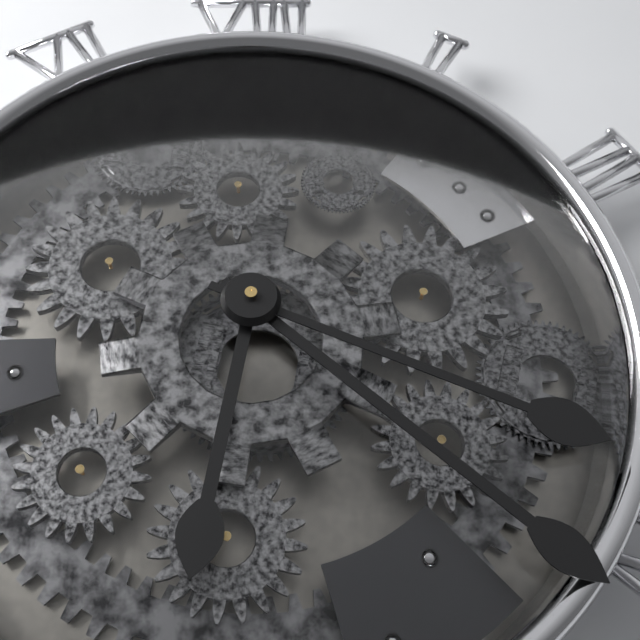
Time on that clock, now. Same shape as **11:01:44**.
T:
**6:22:19**
